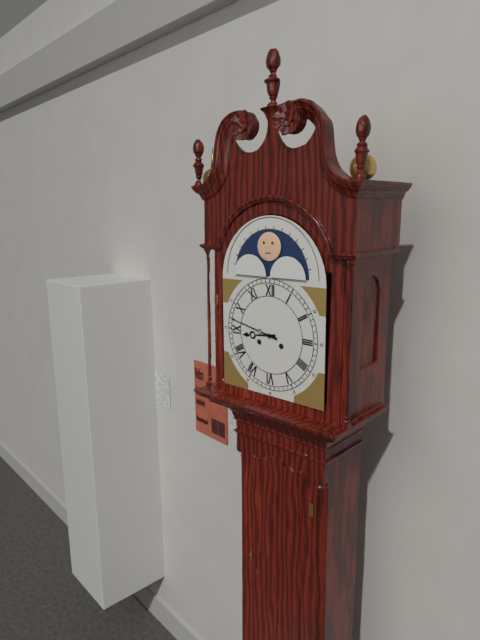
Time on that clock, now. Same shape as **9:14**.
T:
**8:47**
